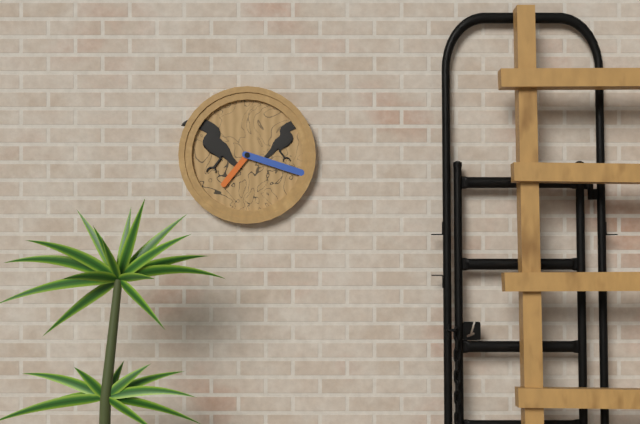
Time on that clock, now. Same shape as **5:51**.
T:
**7:18**
